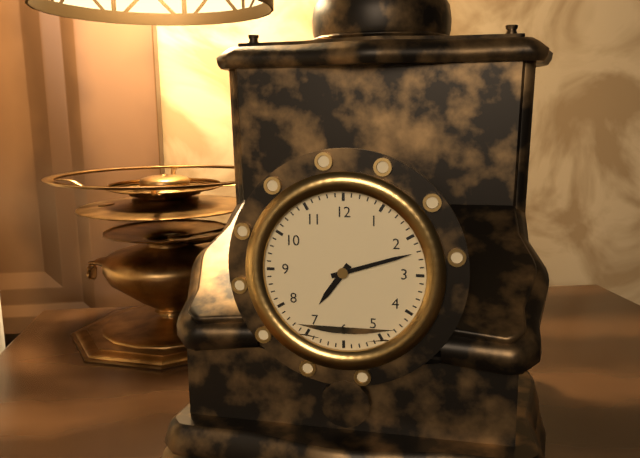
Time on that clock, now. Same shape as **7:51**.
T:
**7:12**
